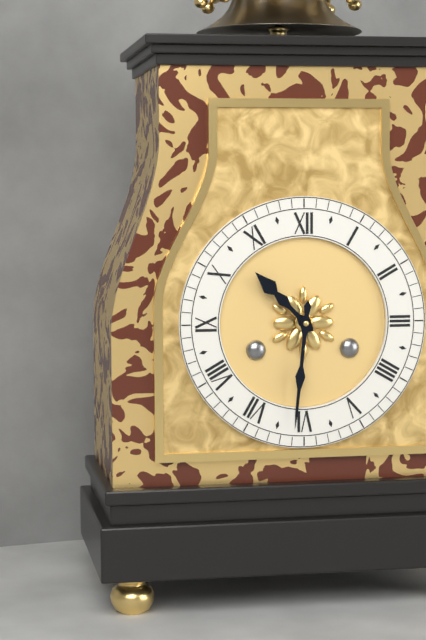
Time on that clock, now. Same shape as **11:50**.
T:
**10:31**
